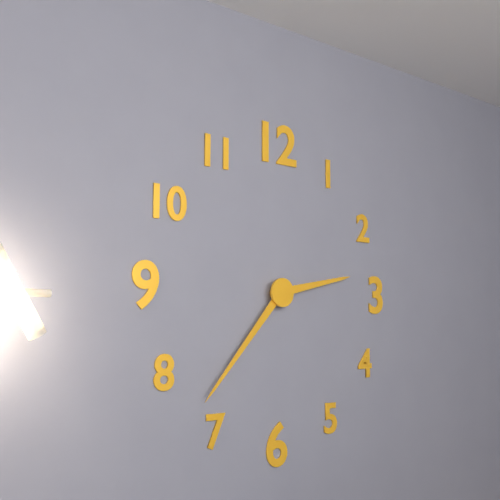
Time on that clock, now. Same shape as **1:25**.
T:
**2:37**
